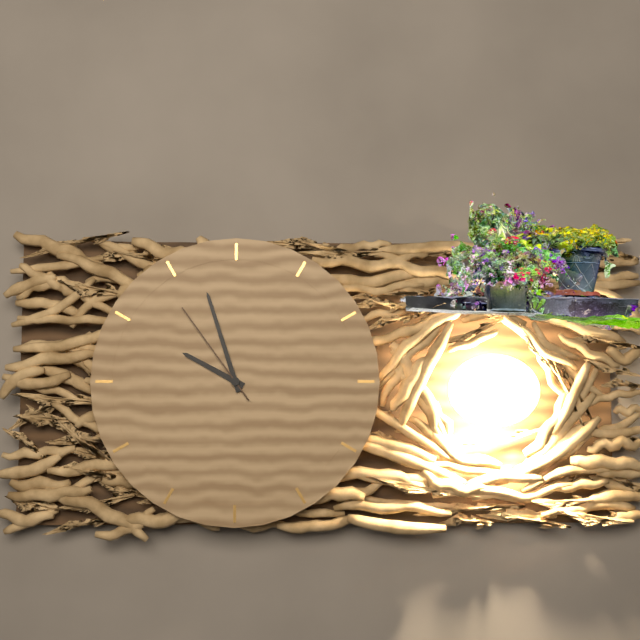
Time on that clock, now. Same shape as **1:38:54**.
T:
**9:57:54**
